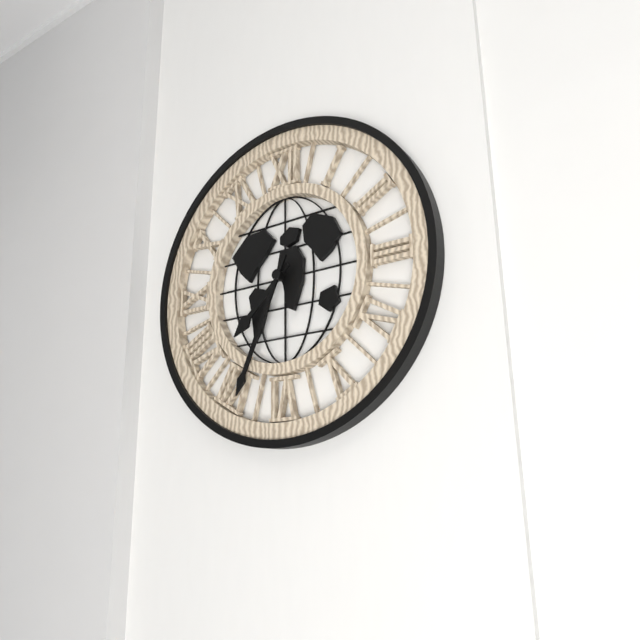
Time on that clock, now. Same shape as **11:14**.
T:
**7:34**
